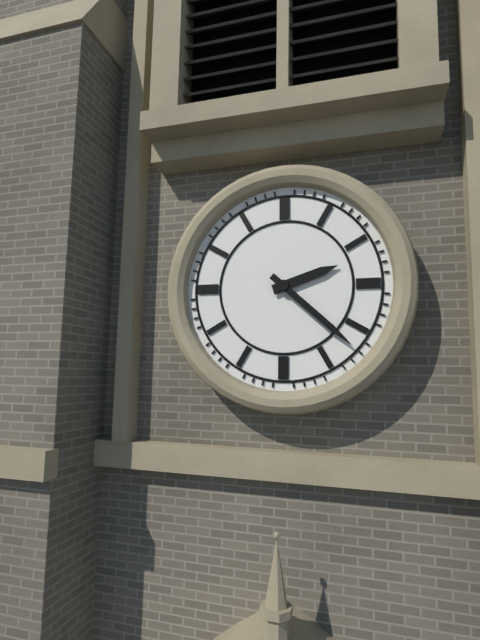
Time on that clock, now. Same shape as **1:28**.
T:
**2:22**
